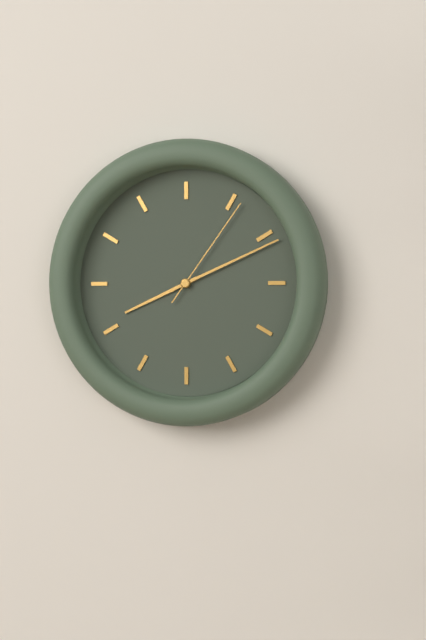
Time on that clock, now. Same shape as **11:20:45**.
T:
**8:11:06**
